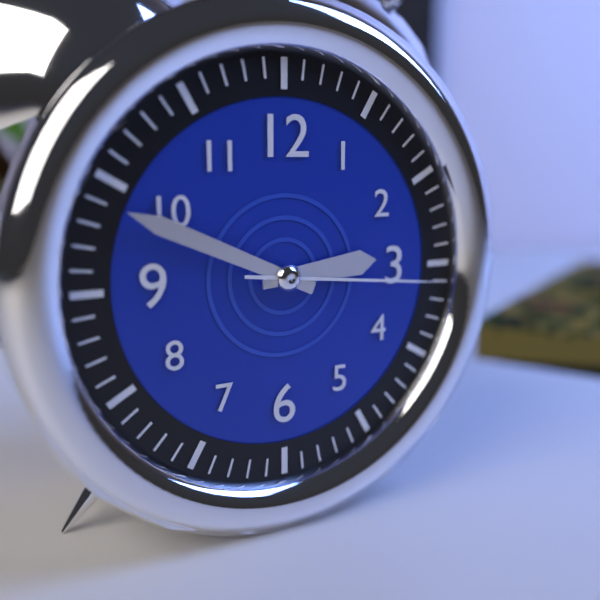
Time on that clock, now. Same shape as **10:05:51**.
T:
**2:49:16**
